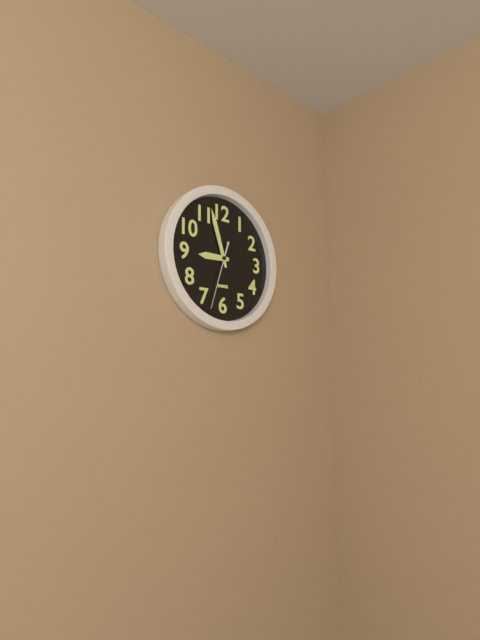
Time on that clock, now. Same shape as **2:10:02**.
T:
**8:57:33**
